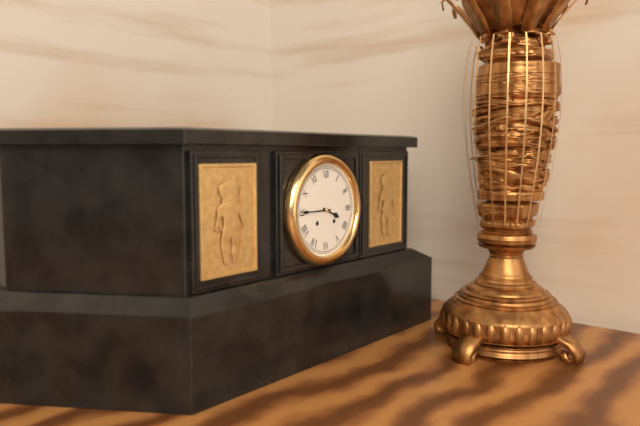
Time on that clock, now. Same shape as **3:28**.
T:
**3:45**
